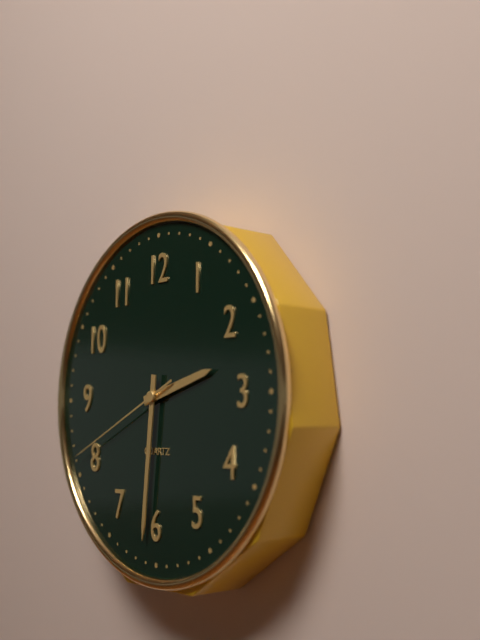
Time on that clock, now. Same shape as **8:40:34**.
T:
**2:31:41**
